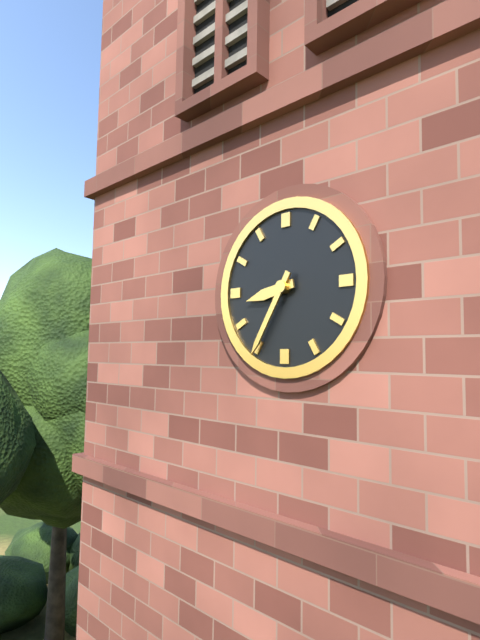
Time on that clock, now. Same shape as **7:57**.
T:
**8:35**
